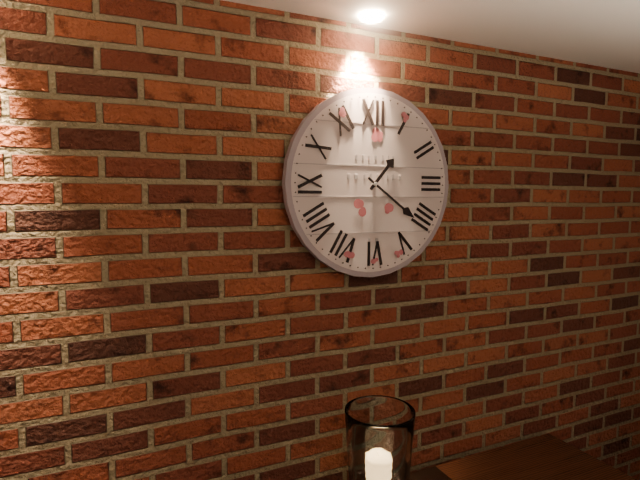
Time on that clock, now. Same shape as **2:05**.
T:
**1:21**
